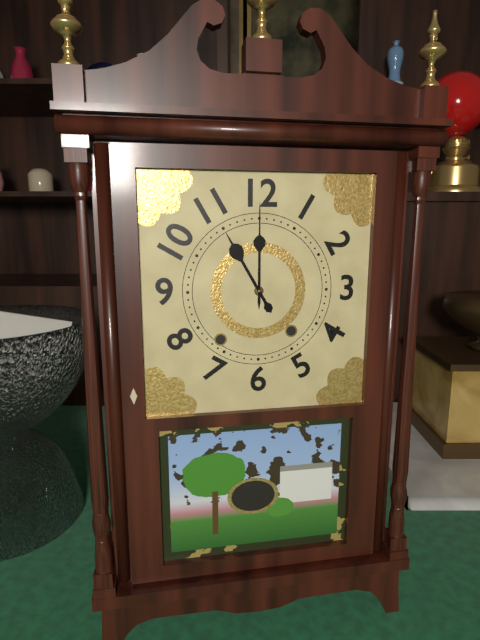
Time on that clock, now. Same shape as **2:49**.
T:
**11:00**
